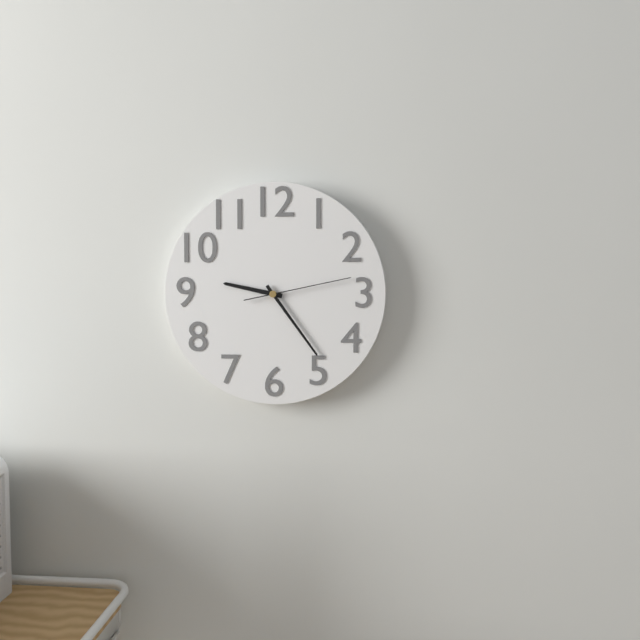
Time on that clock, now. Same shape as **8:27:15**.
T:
**9:24:13**
